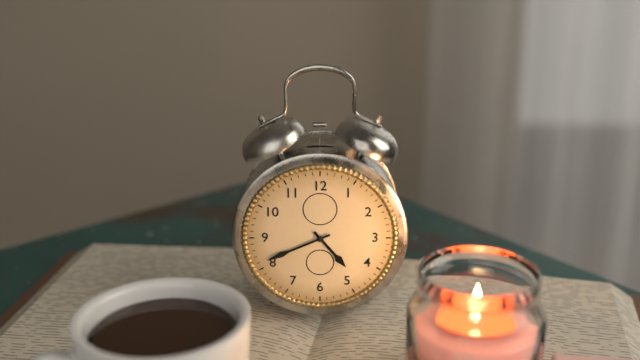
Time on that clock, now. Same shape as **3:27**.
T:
**4:41**
